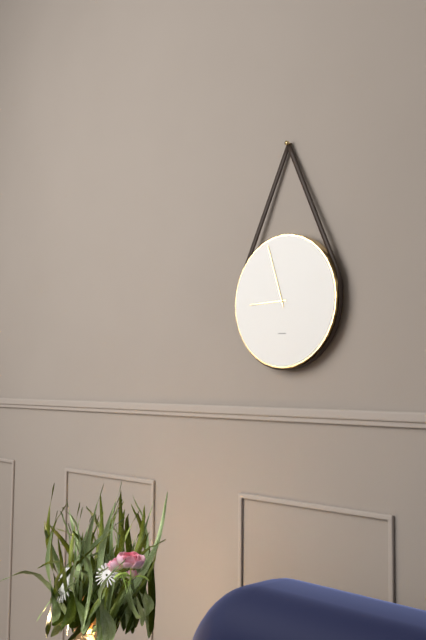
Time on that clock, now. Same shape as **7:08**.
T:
**8:57**
